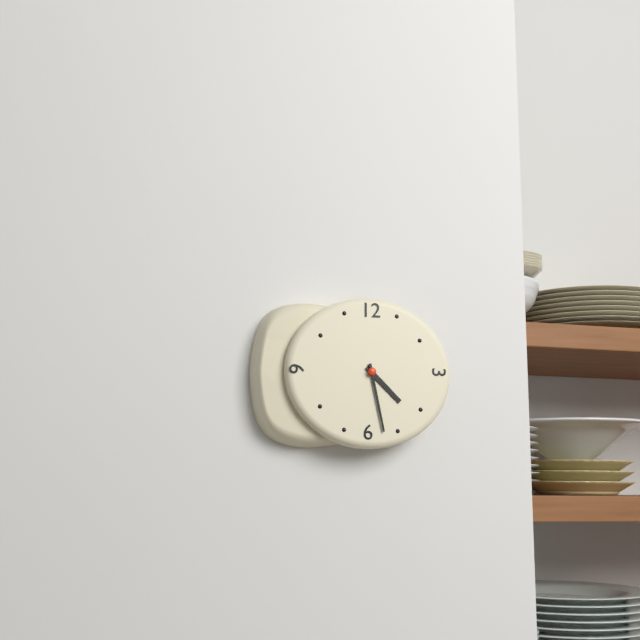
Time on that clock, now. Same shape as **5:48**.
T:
**4:28**
